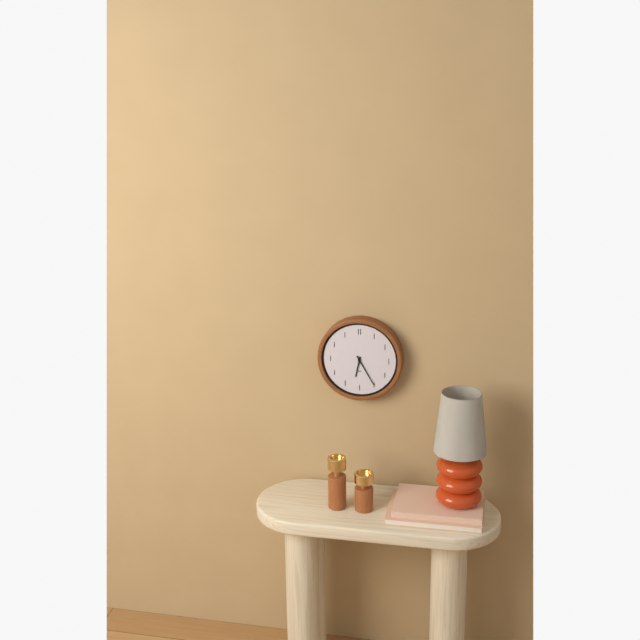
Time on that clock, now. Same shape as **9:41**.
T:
**6:25**
